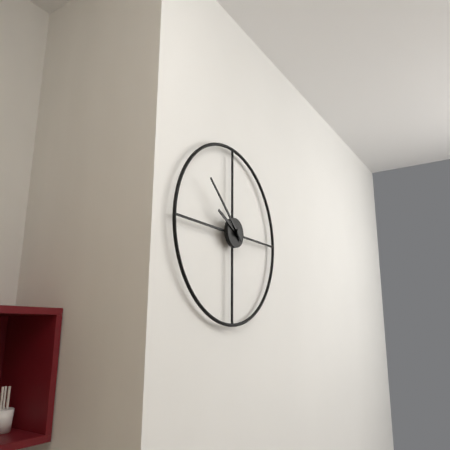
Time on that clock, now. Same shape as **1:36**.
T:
**9:52**
